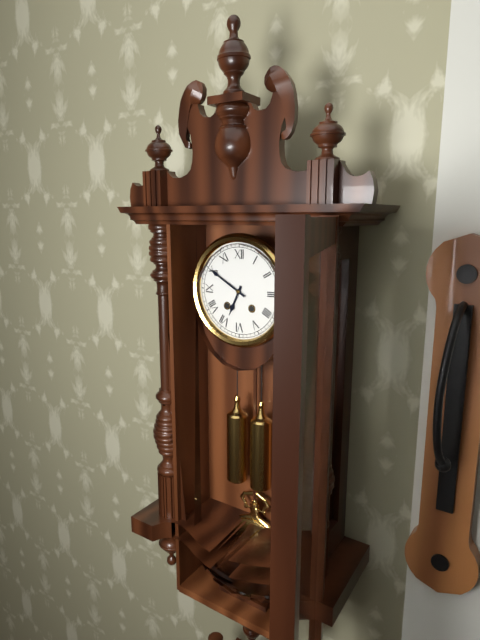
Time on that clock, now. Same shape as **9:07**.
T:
**6:50**
